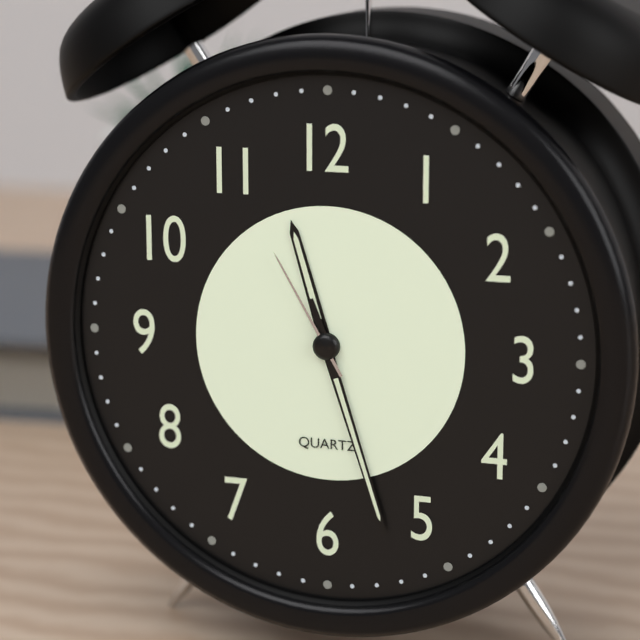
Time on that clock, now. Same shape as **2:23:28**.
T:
**11:27:55**
